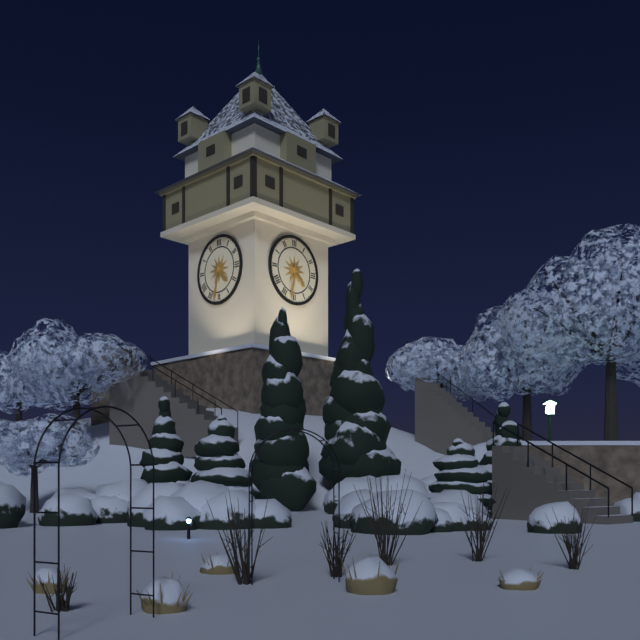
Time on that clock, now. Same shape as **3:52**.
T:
**4:32**
